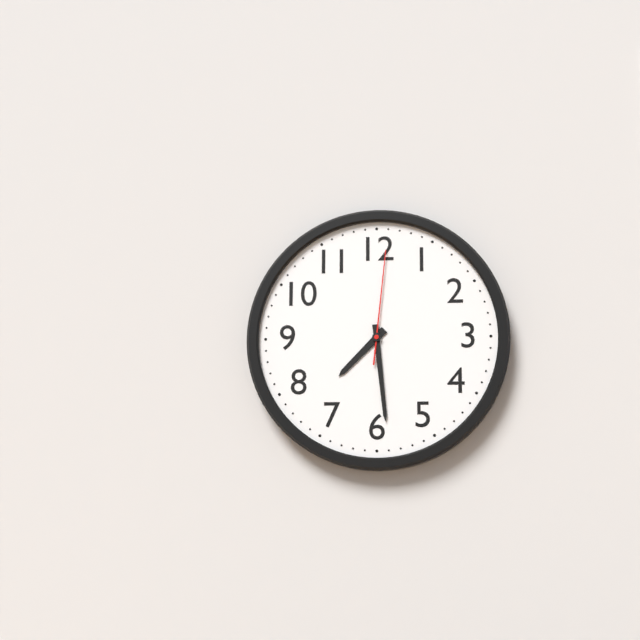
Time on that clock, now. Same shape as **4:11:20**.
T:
**7:29:01**
